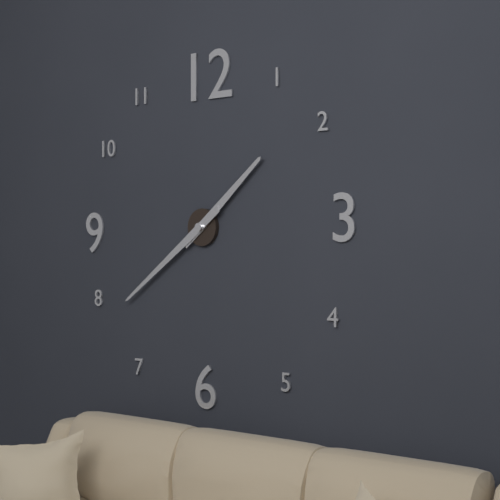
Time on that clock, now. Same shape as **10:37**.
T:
**1:39**
